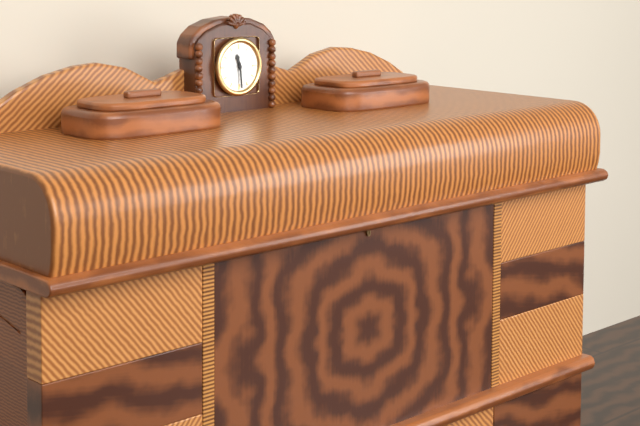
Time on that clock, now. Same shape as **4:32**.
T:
**11:29**
